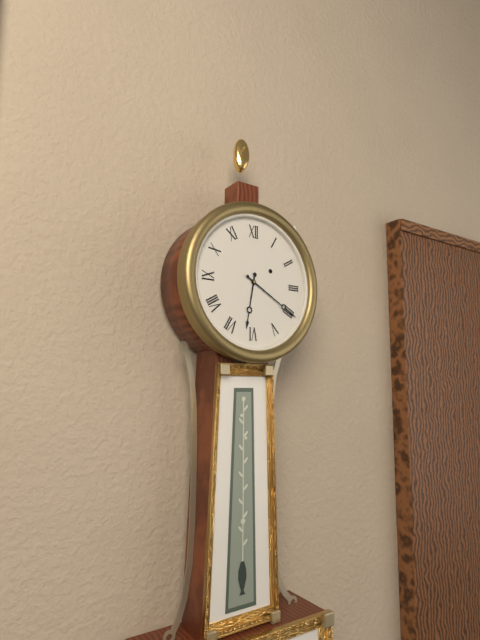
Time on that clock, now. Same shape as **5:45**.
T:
**6:20**
